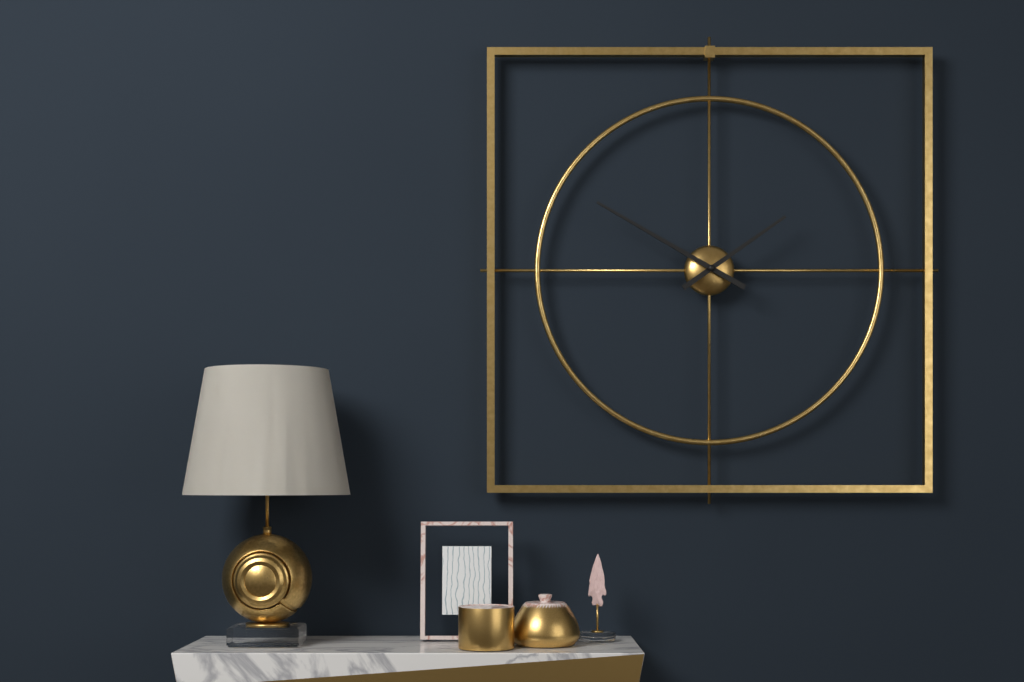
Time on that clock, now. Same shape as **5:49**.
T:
**1:50**
